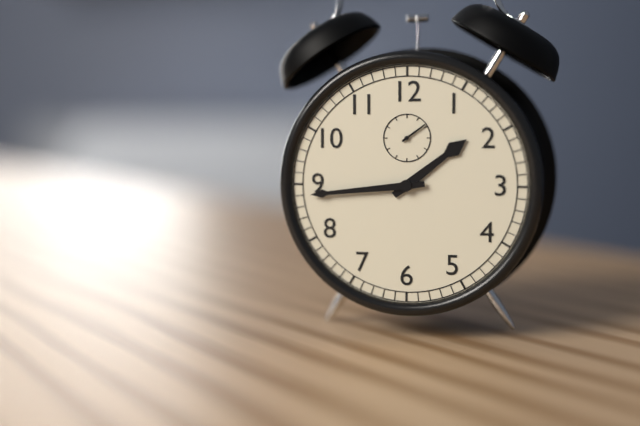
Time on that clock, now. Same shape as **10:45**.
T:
**1:44**
